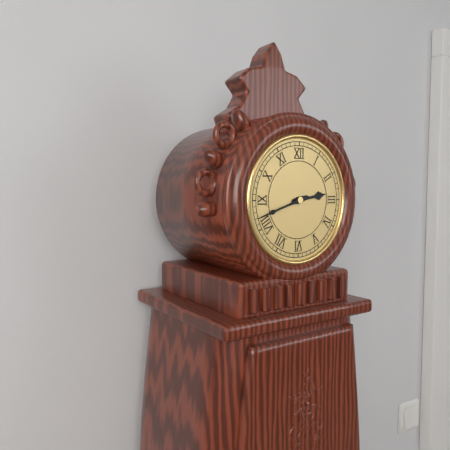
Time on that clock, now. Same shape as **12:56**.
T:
**2:42**
